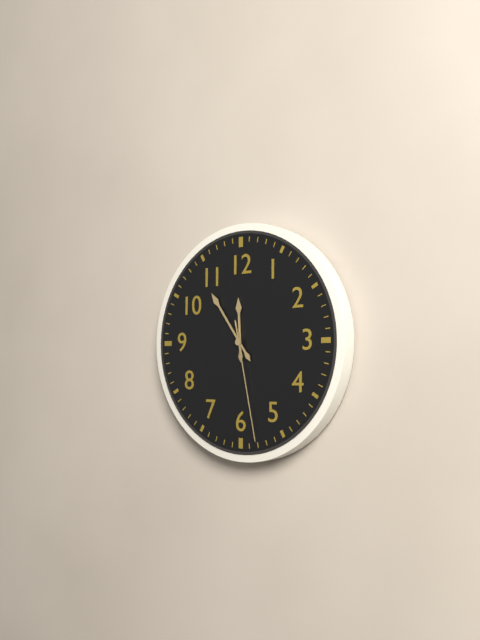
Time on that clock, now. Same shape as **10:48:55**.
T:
**11:54:28**
